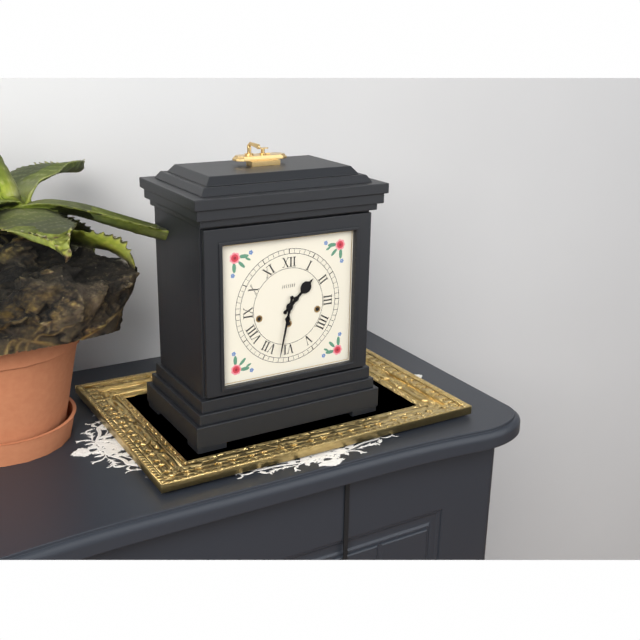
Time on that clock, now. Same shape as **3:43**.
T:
**1:32**
